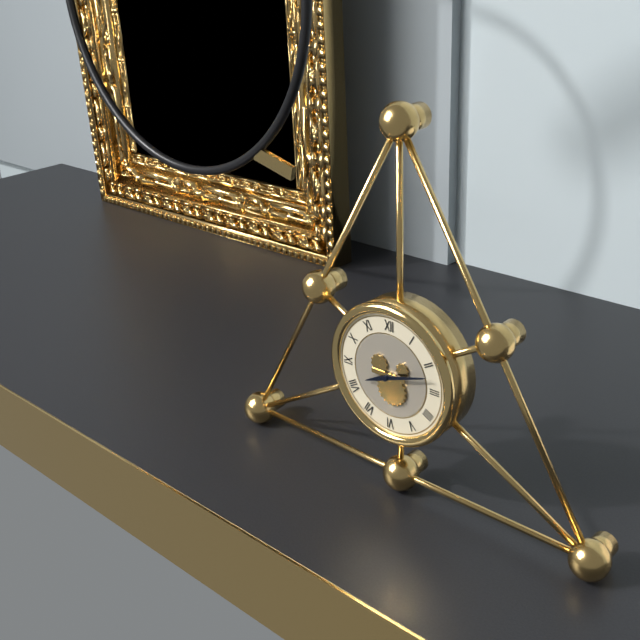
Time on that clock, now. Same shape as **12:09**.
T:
**8:12**
